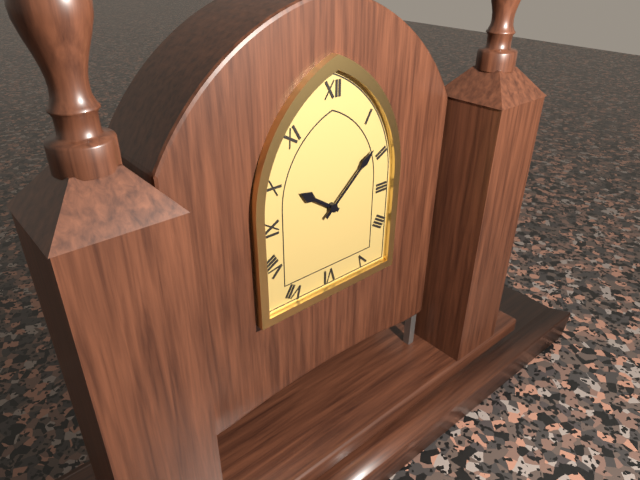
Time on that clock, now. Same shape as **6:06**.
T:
**10:08**
